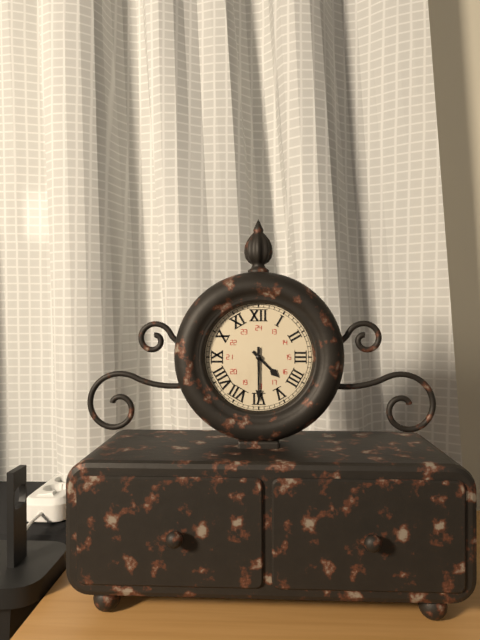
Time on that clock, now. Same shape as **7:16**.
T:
**4:30**
